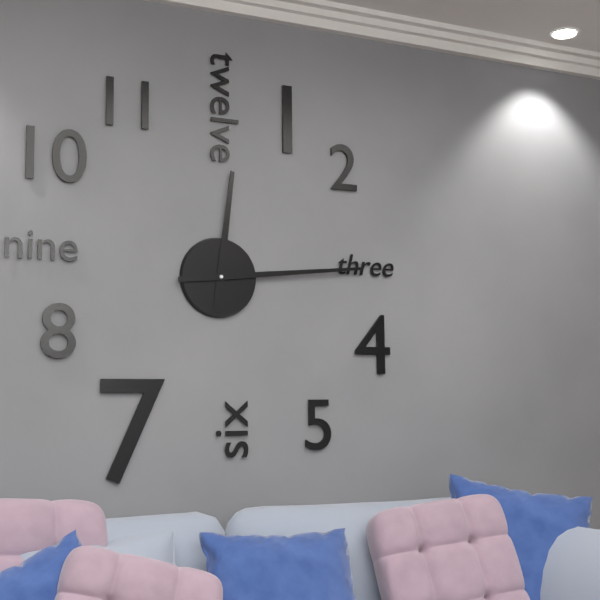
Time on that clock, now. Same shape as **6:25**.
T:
**12:14**
